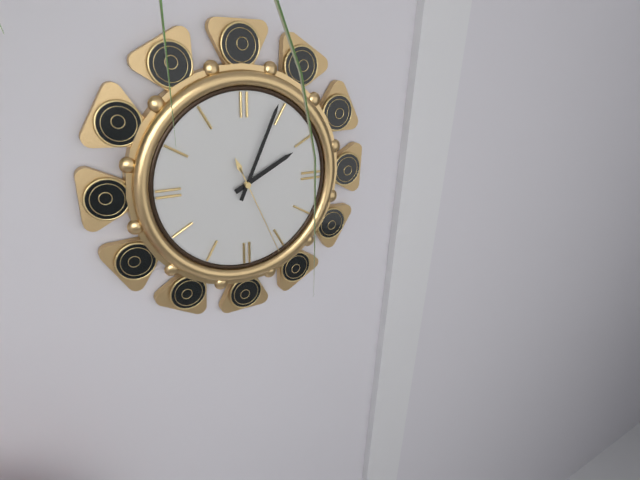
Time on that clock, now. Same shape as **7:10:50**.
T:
**2:04:26**
